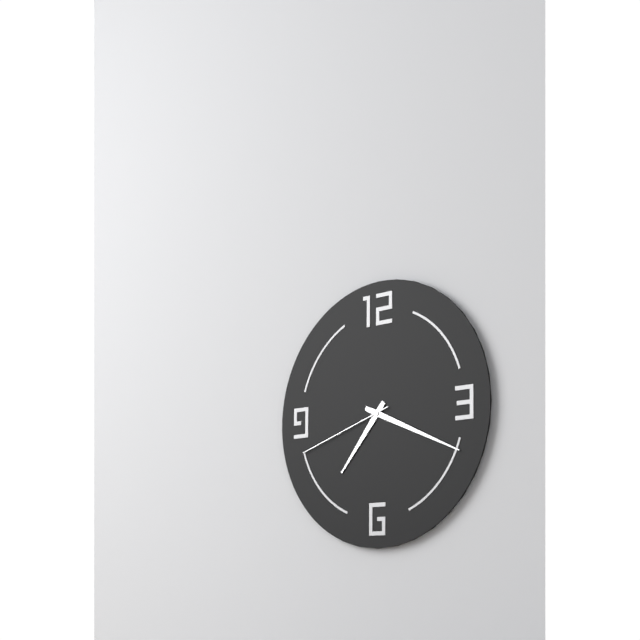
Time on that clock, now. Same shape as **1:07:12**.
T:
**7:19:42**
